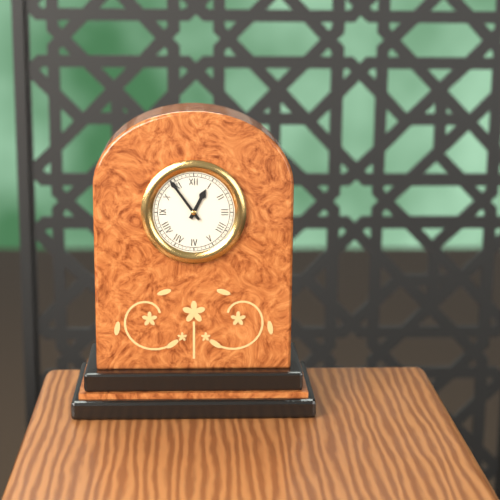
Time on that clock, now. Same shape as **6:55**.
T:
**12:54**
